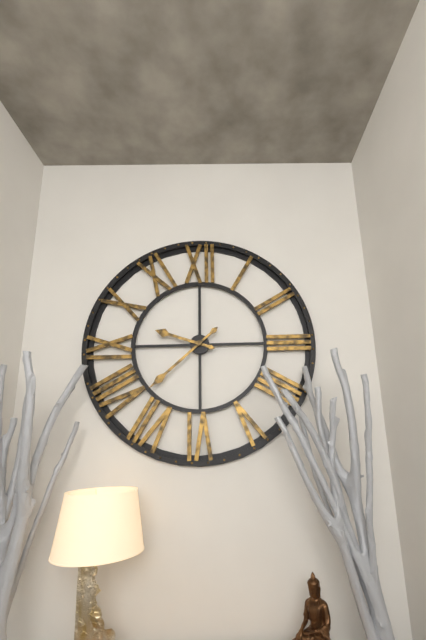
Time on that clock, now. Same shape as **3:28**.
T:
**9:38**
